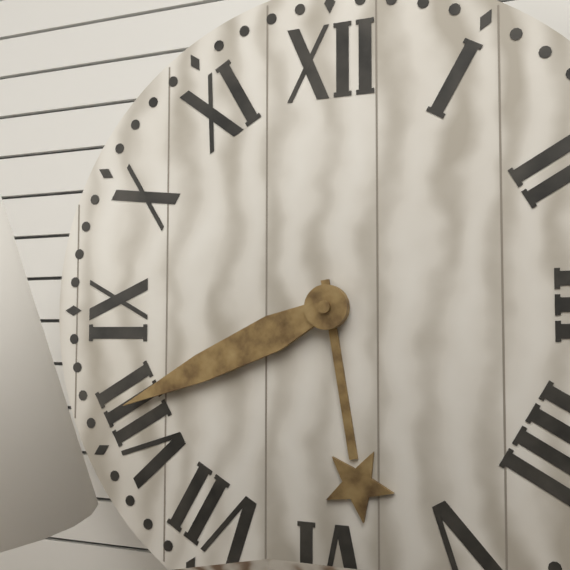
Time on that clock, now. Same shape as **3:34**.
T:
**5:41**
